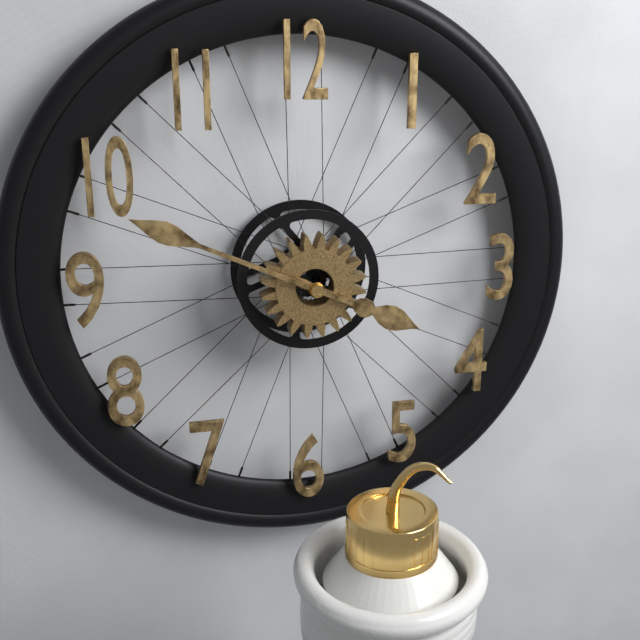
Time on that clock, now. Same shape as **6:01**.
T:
**3:49**
